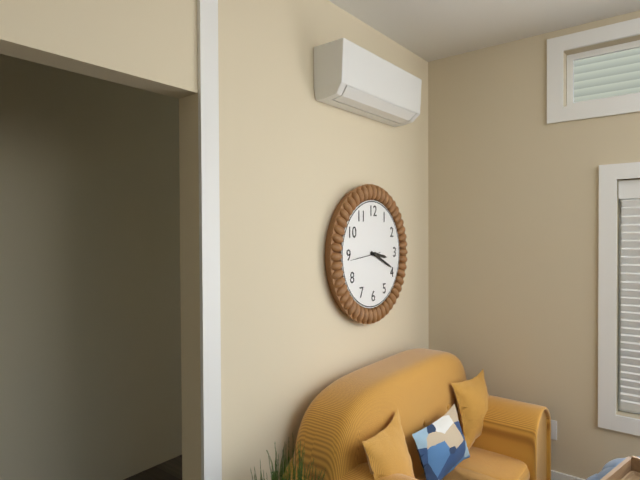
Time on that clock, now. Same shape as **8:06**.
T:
**3:19**
